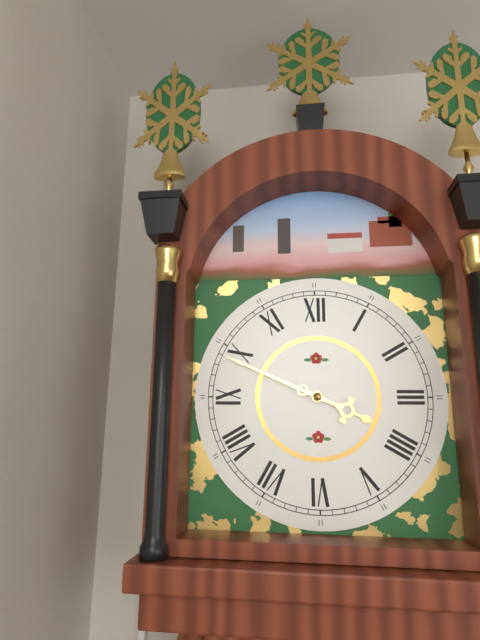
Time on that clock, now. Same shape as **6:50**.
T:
**3:49**
